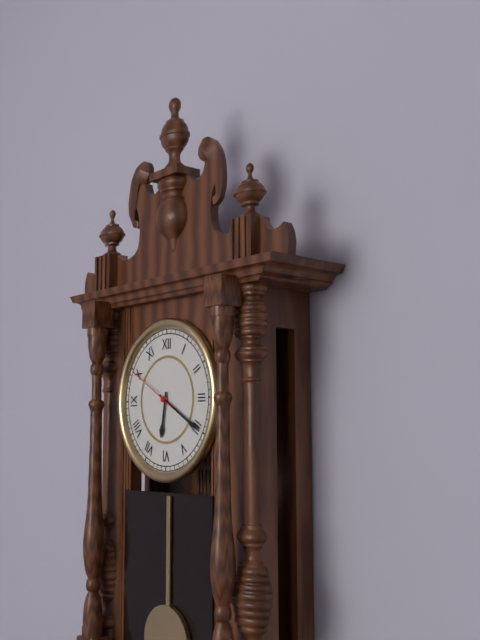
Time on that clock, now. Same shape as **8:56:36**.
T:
**6:20:50**
